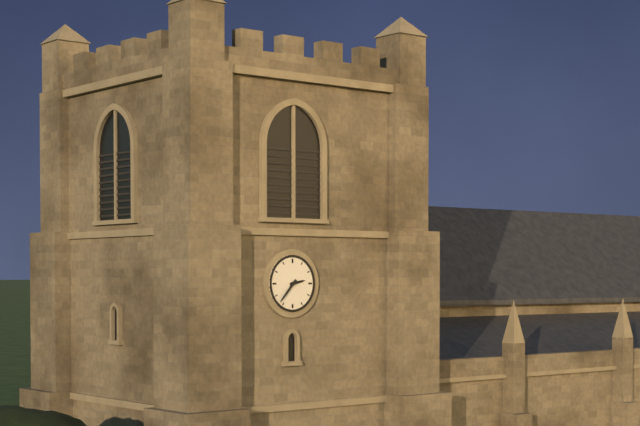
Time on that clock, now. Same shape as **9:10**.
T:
**2:37**
